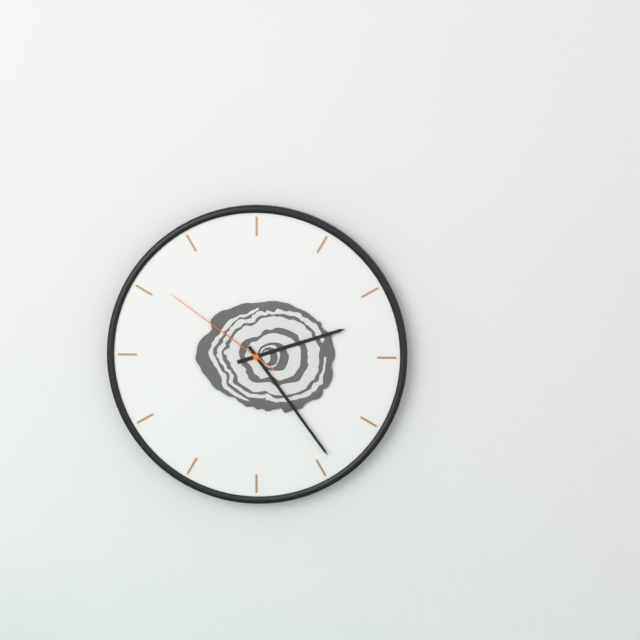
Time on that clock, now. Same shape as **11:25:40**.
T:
**2:24:51**
